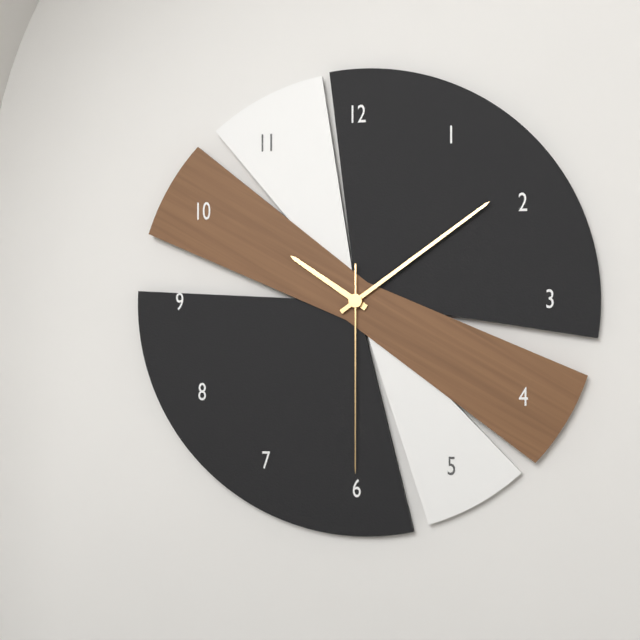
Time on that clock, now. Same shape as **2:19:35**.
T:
**10:09:30**
